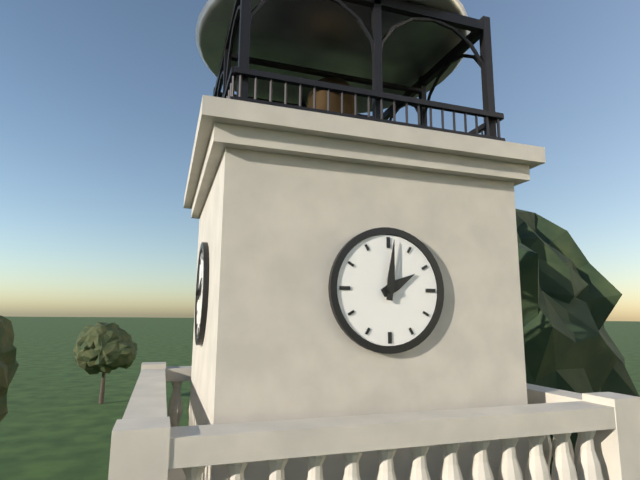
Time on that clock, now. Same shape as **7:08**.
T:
**2:01**
